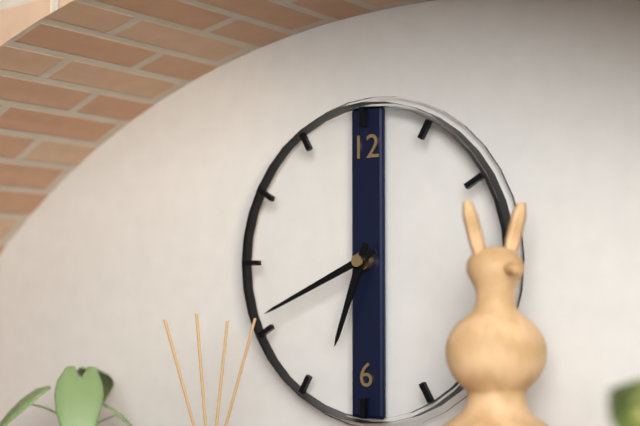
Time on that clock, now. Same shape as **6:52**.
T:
**6:41**
